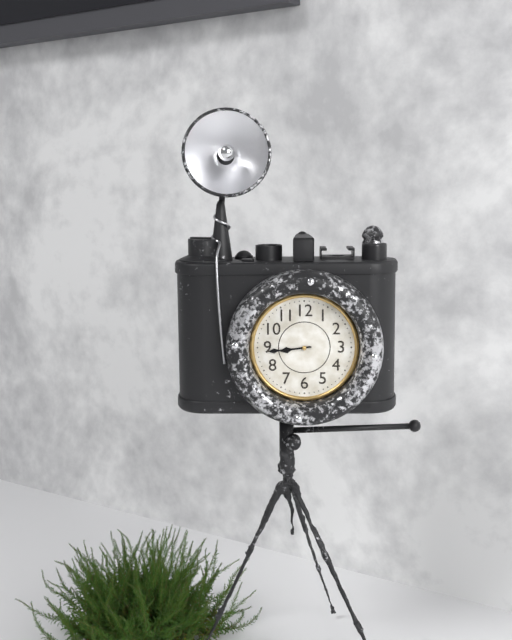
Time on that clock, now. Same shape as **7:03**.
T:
**8:44**
